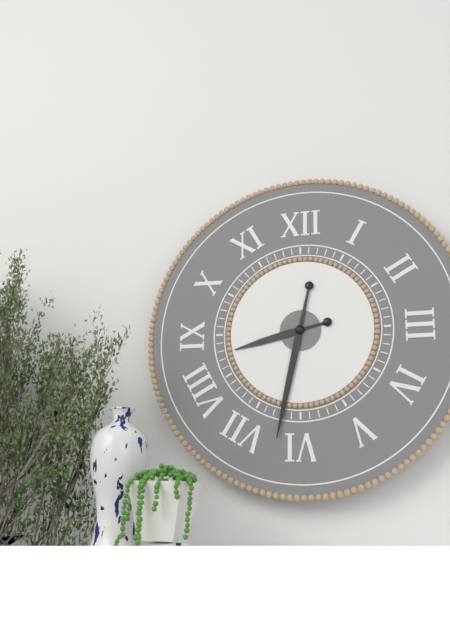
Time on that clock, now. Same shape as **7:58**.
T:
**8:32**
